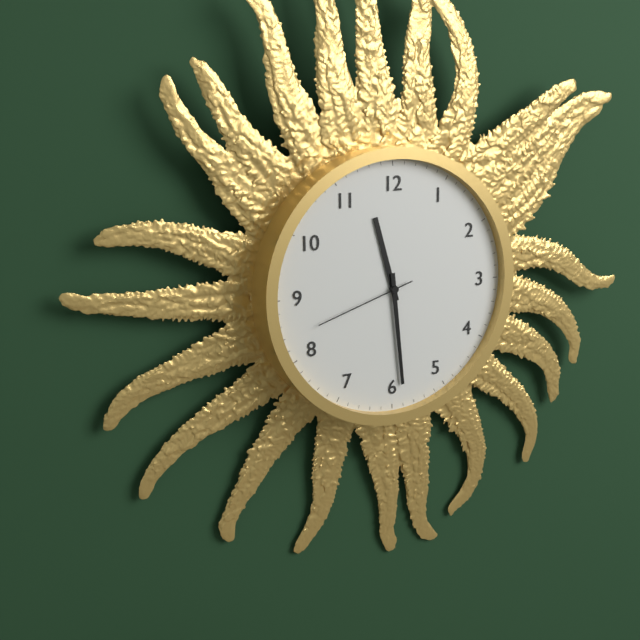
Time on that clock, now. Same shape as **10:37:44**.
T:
**11:29:42**
